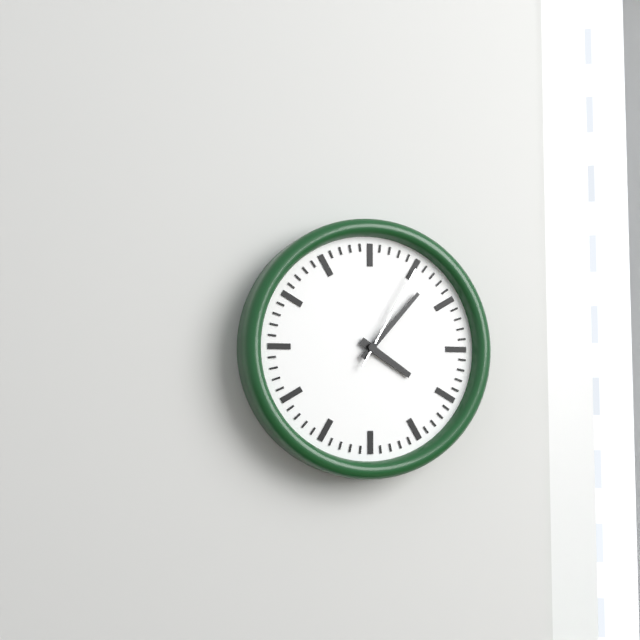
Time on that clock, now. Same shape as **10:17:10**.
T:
**4:07:05**
